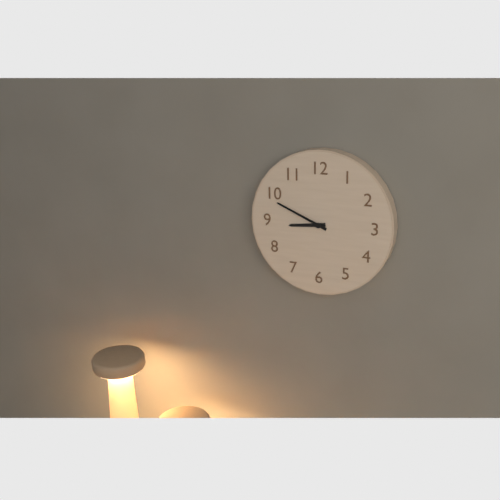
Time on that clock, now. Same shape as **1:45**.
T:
**8:49**
